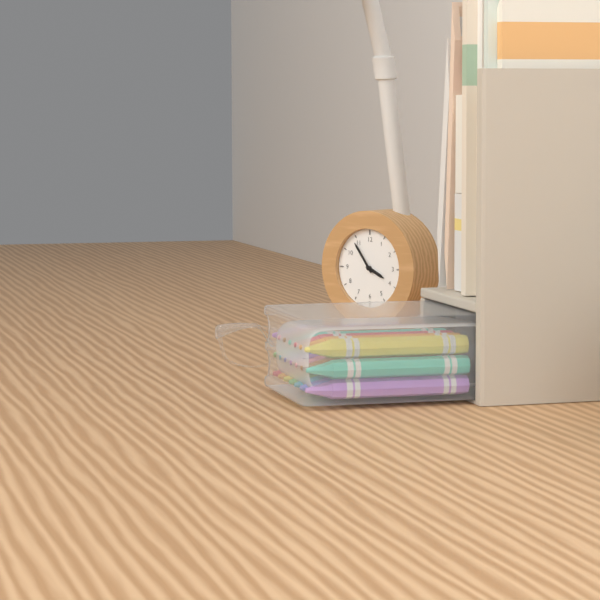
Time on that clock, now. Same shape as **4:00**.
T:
**3:54**
